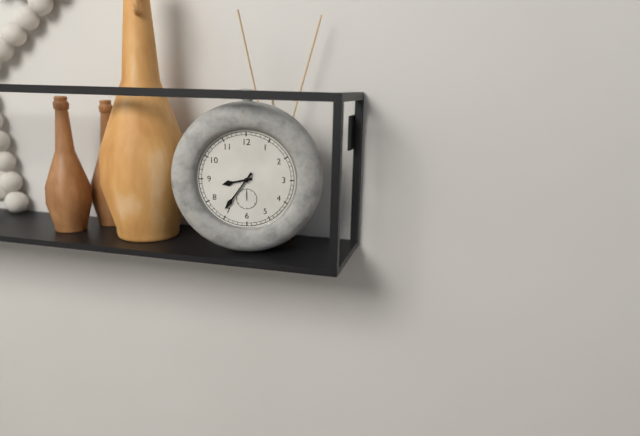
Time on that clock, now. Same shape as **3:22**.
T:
**8:36**
